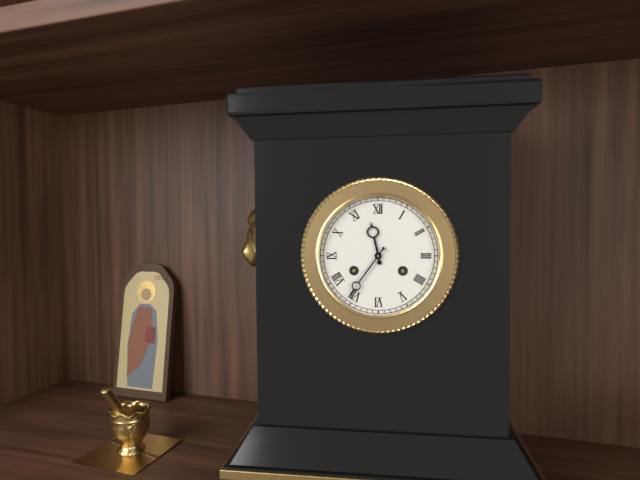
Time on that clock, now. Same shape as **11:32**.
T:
**11:36**
